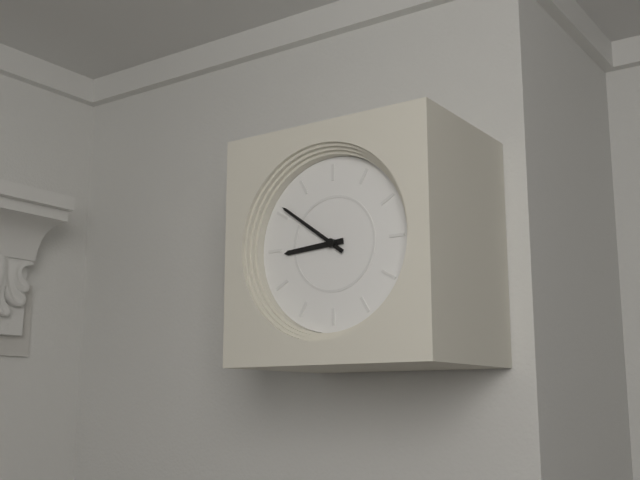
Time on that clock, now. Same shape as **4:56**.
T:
**8:51**
